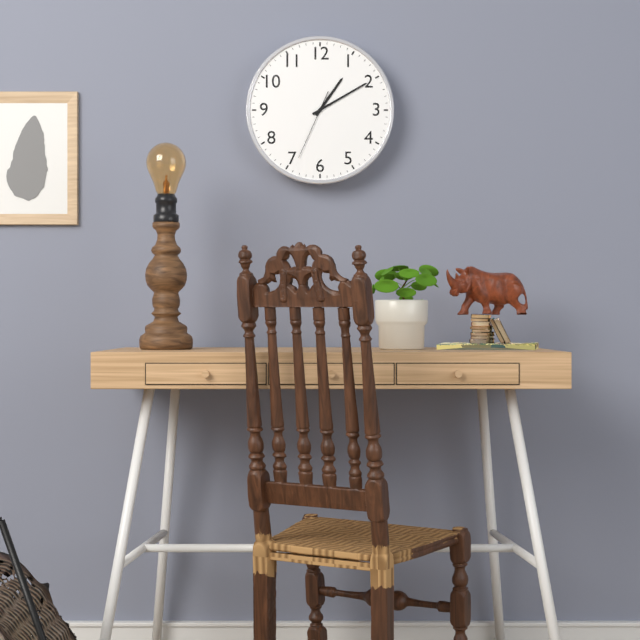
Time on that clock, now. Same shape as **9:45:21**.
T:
**1:10:34**
